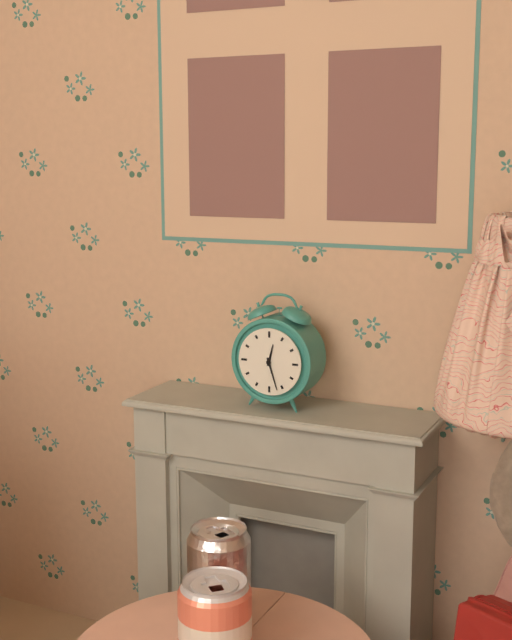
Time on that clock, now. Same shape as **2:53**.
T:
**12:27**
